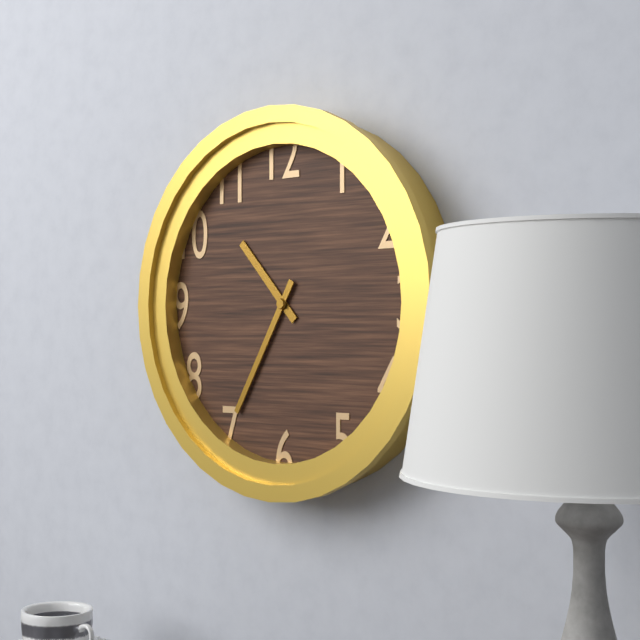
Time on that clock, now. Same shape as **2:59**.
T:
**10:35**
